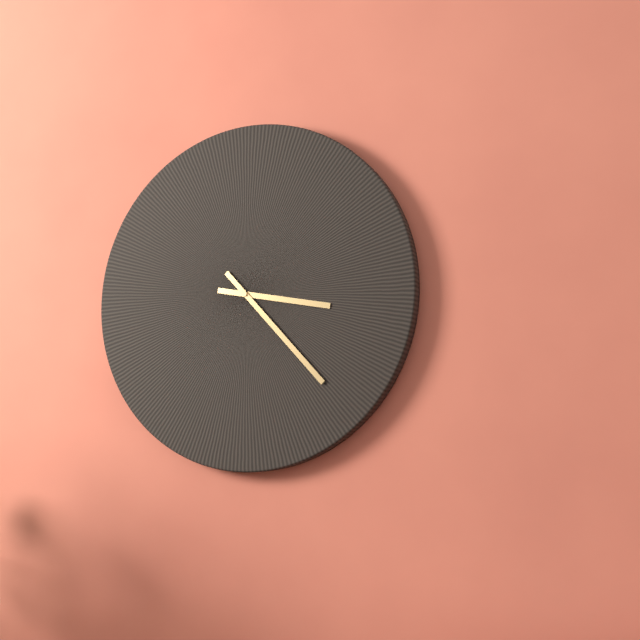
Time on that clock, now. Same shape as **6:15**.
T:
**3:23**
